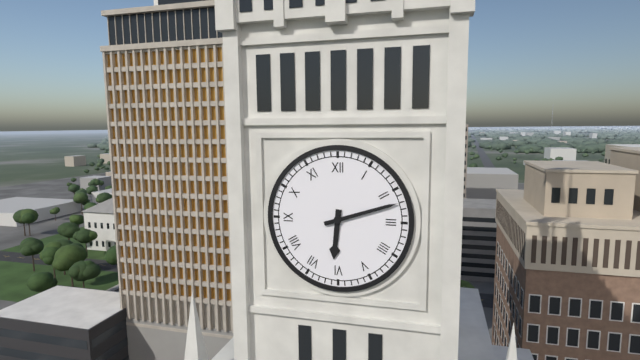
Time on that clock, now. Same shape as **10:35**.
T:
**6:12**
